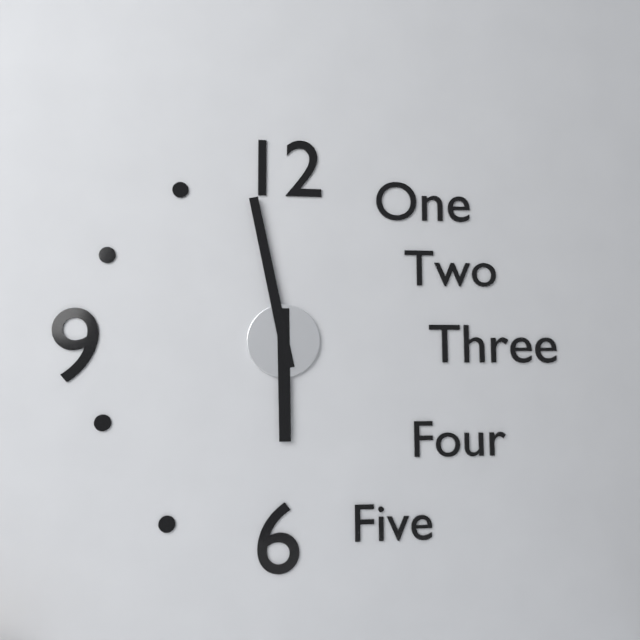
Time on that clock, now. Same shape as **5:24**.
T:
**5:58**
